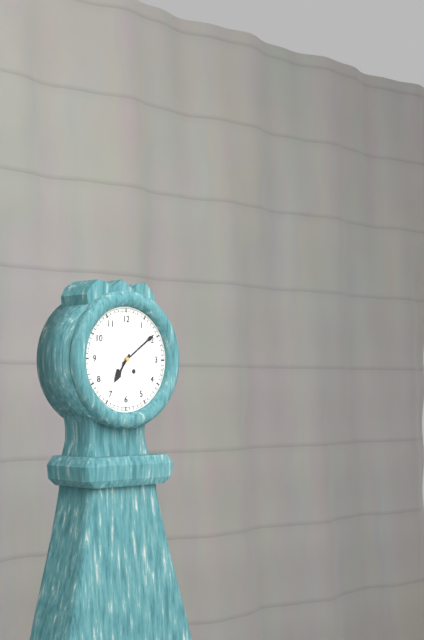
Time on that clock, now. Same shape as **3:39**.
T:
**7:09**
